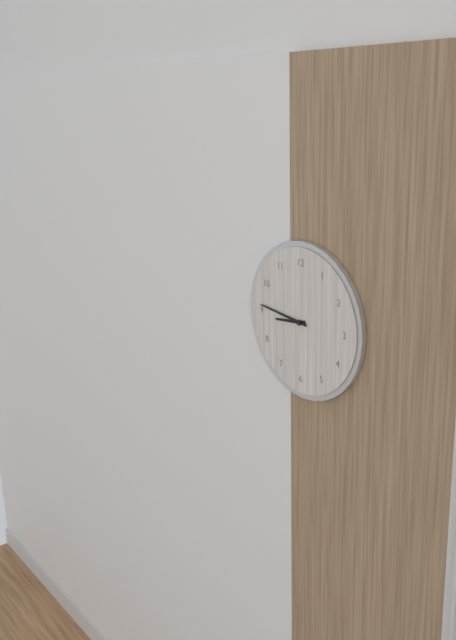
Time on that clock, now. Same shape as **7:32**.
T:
**8:46**
